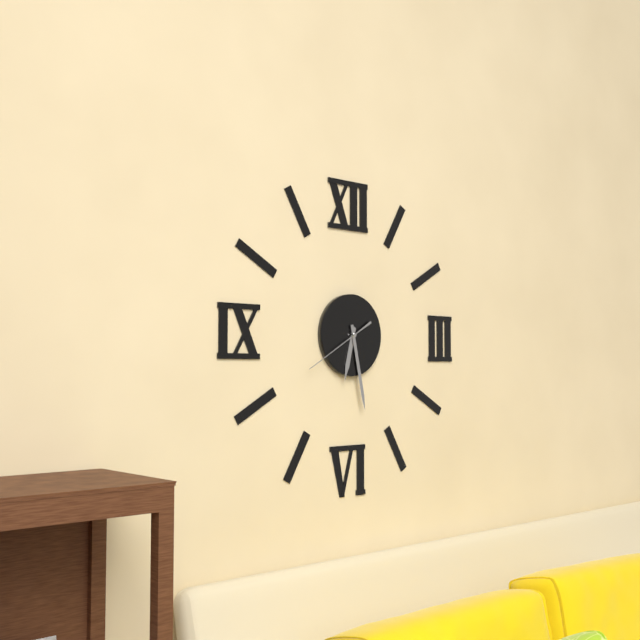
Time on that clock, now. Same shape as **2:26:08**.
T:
**6:28:40**
